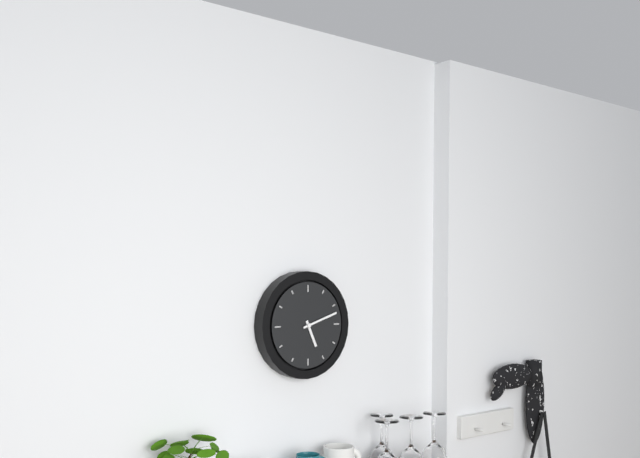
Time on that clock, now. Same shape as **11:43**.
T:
**5:12**
